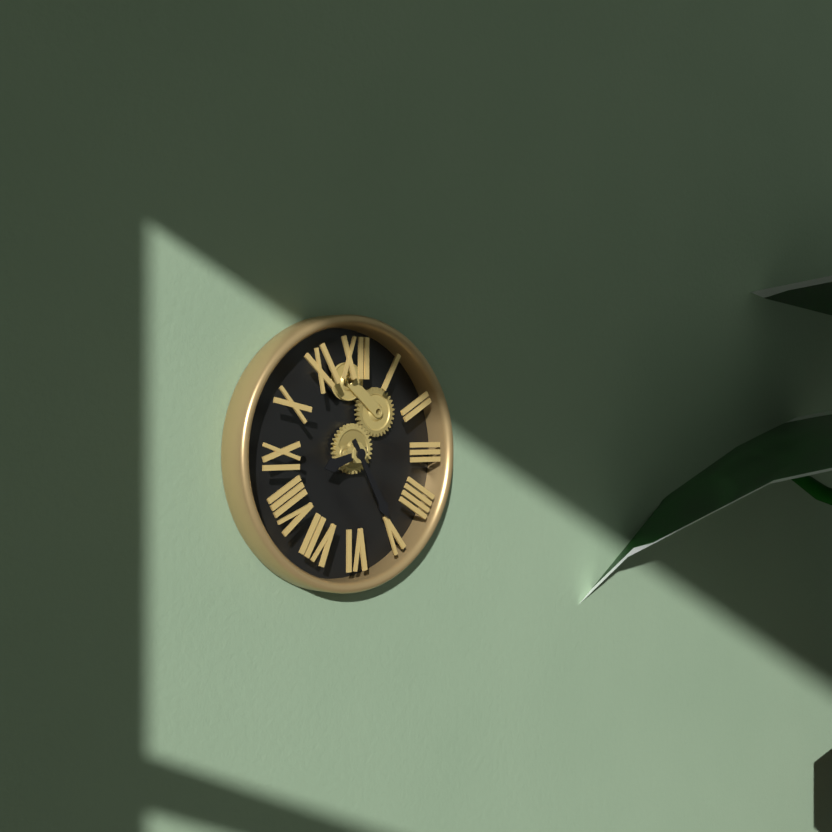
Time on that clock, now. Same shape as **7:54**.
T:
**8:25**
